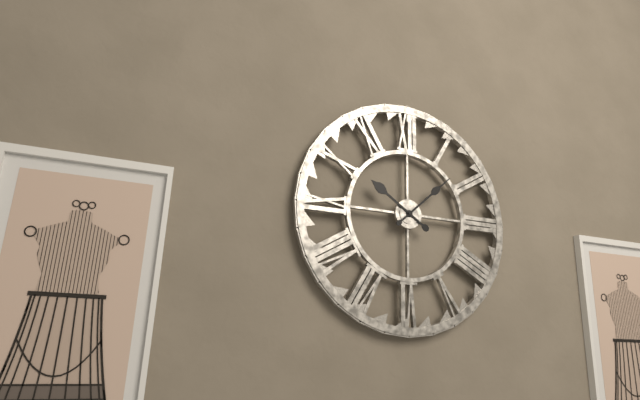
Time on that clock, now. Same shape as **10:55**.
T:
**10:08**
